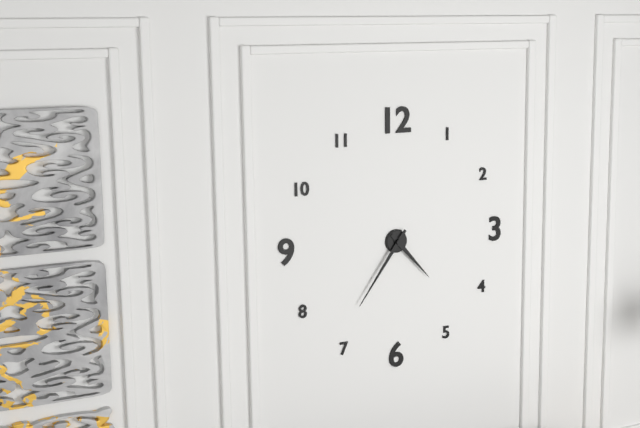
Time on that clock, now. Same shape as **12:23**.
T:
**4:36**
